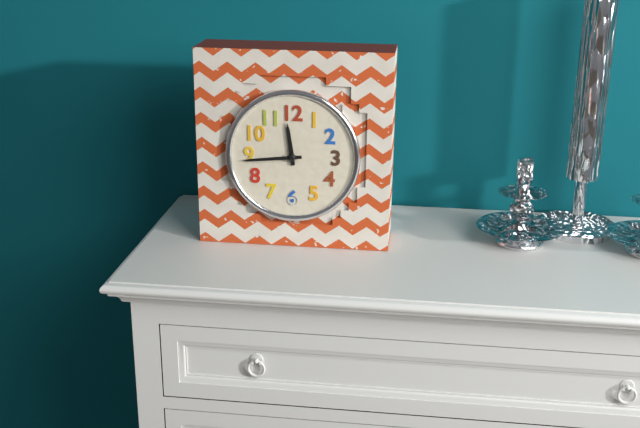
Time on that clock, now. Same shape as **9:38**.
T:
**11:44**
